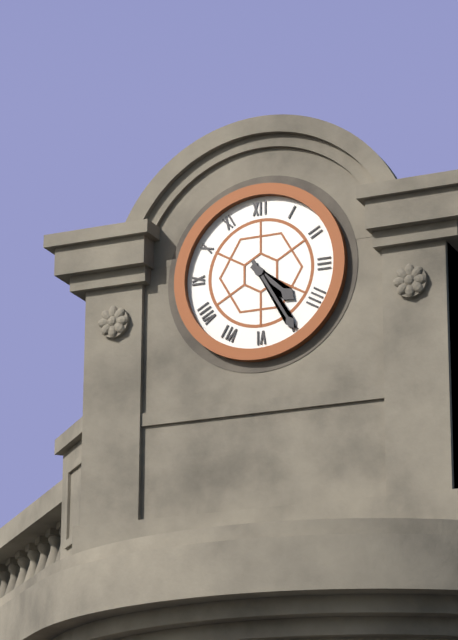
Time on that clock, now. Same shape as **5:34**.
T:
**4:25**
